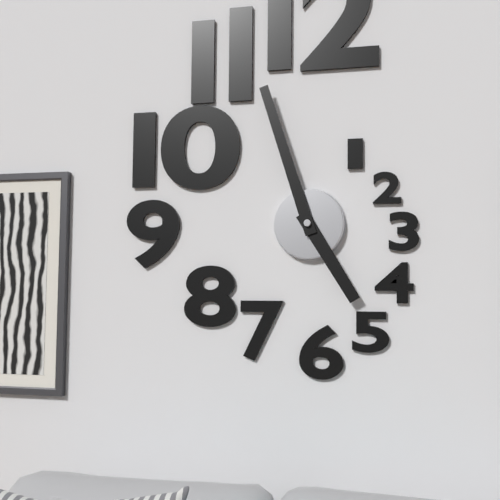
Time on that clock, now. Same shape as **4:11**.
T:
**4:57**
